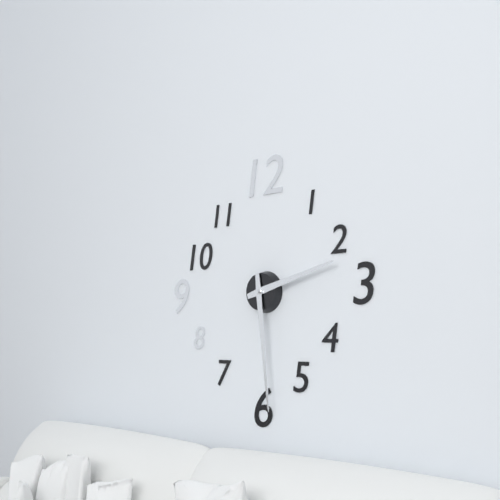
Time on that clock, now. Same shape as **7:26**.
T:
**2:29**
